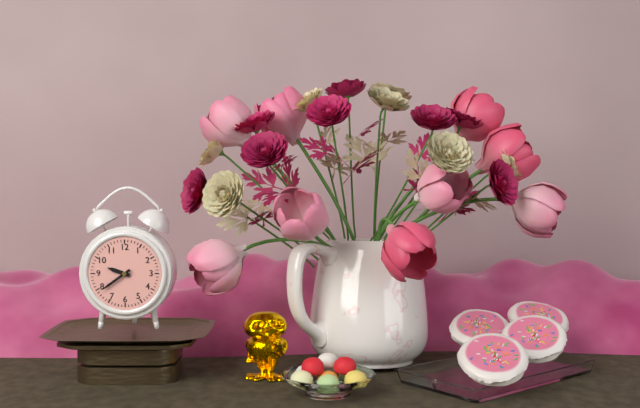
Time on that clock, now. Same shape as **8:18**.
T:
**9:39**
